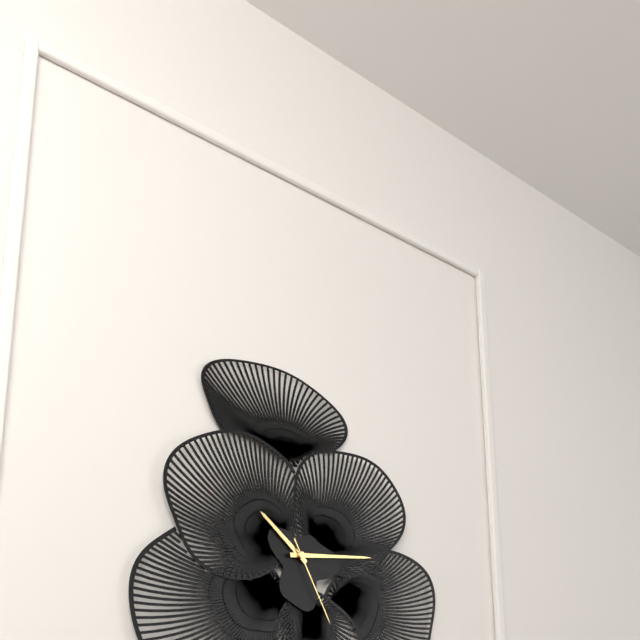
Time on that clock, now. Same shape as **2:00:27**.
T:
**10:14:25**
